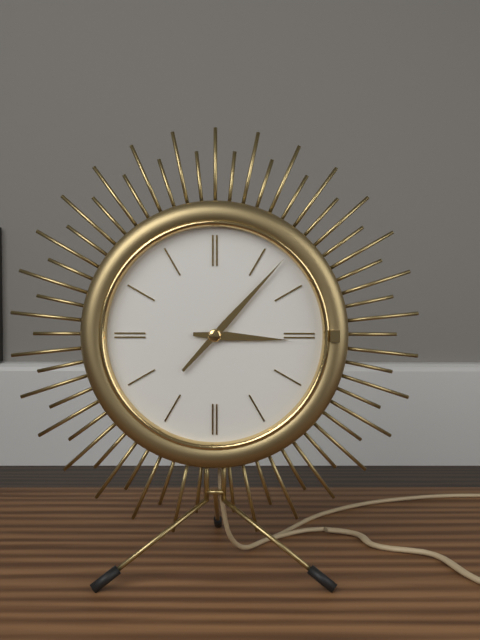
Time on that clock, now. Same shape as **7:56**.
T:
**3:07**
